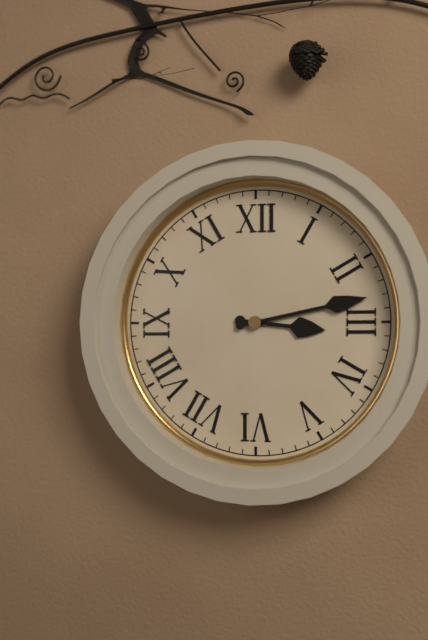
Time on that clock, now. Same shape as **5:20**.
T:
**3:13**
